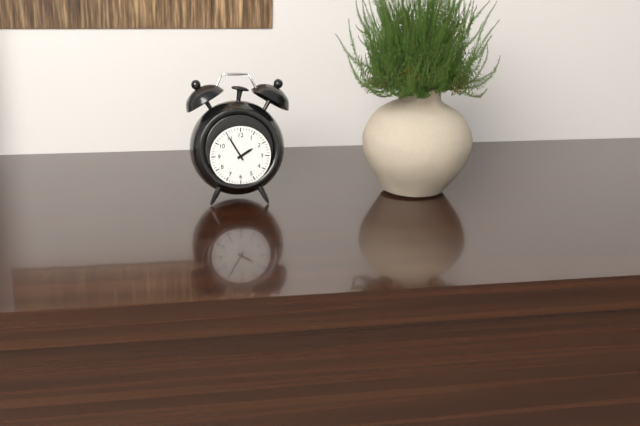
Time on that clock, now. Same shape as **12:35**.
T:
**1:55**
